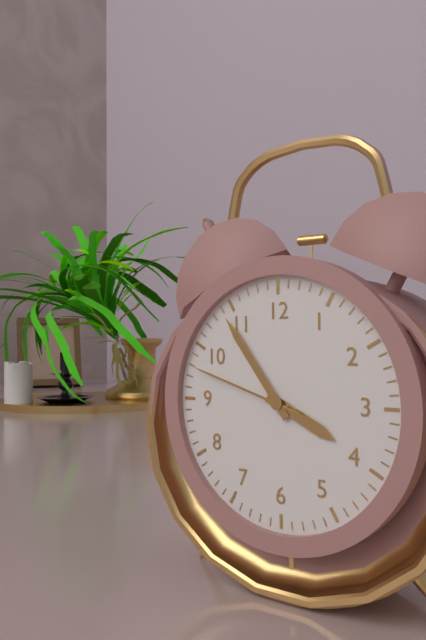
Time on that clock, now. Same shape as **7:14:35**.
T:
**3:54:48**
